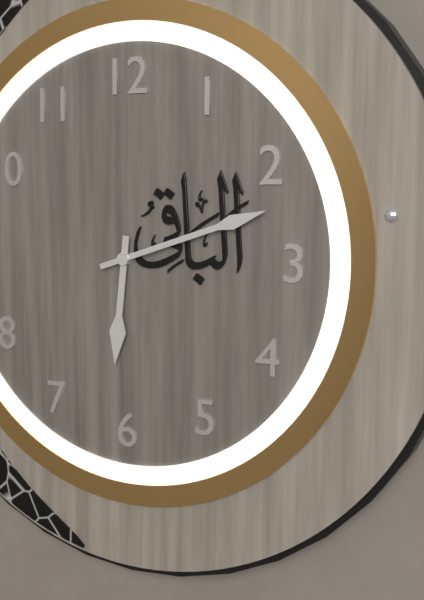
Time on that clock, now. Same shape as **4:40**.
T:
**6:12**
